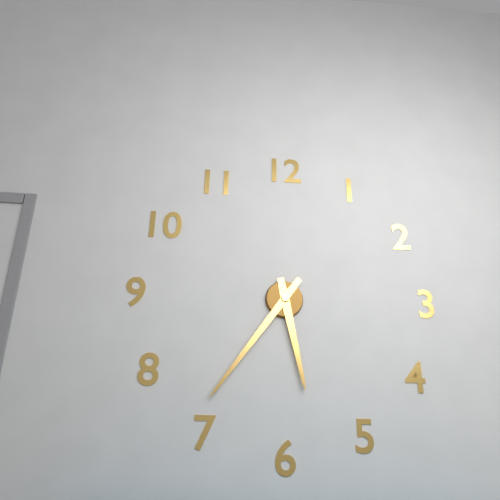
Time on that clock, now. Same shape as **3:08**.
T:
**5:36**
